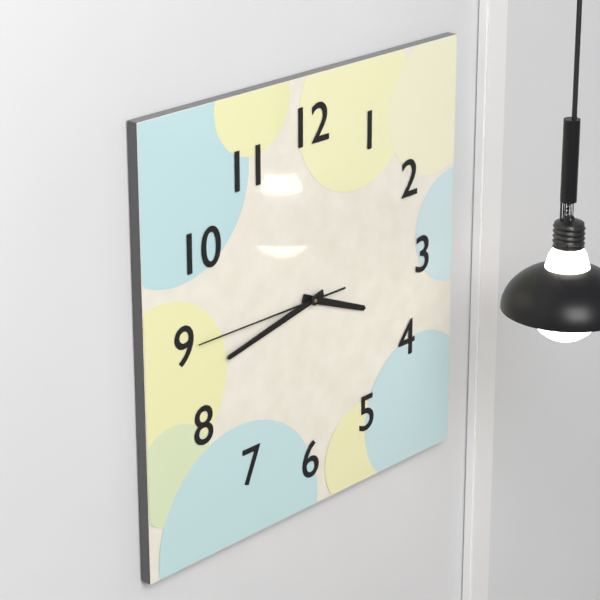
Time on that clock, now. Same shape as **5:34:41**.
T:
**3:43:45**
